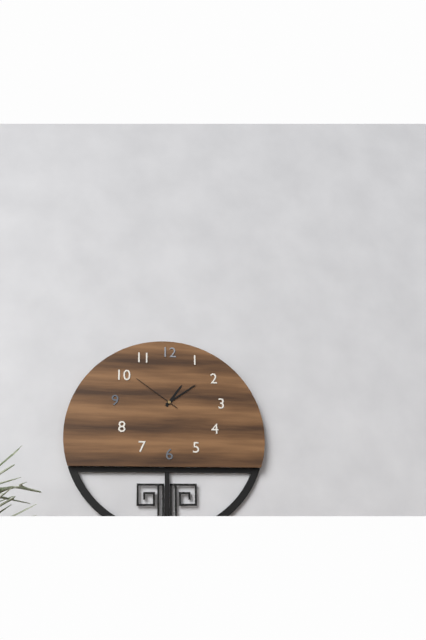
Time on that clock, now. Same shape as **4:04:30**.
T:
**1:09:51**
